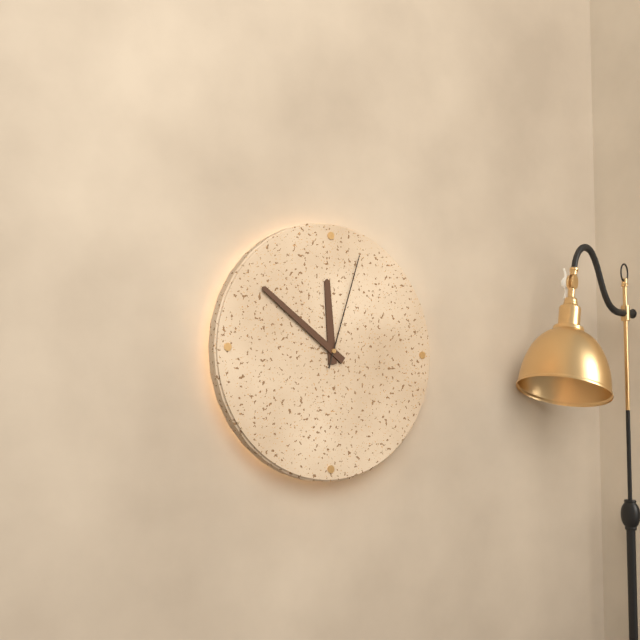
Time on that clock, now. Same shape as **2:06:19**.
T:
**11:51:03**
